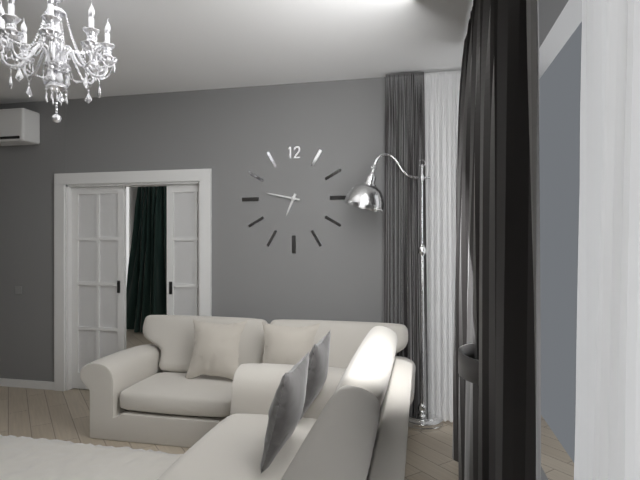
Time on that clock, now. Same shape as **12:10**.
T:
**6:47**
